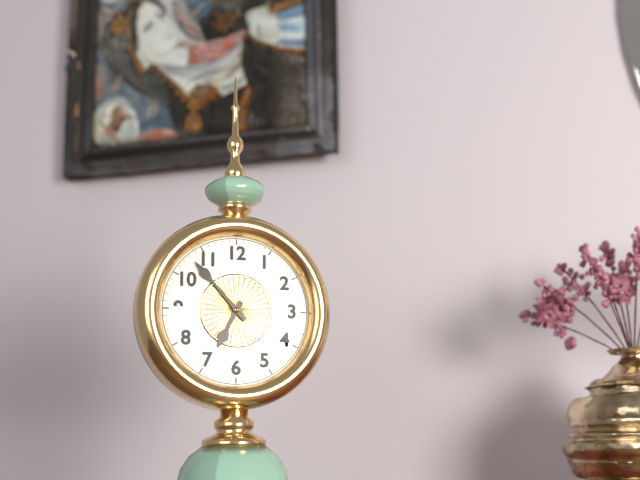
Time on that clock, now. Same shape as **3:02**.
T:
**6:53**
